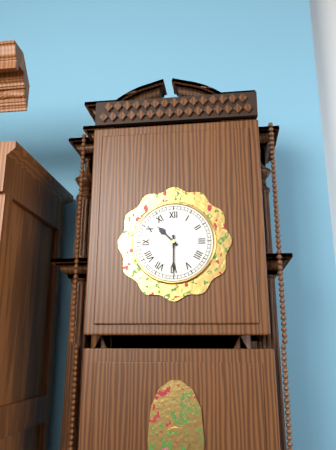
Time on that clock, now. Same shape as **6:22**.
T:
**10:30**
